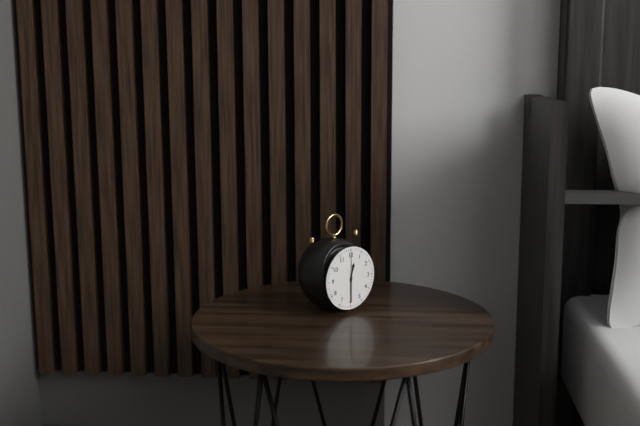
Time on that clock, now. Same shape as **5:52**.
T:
**12:30**
